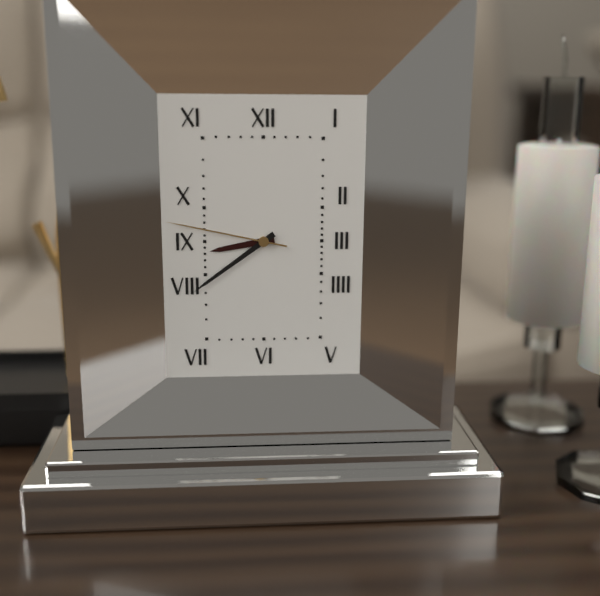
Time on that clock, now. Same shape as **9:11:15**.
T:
**8:39:47**
